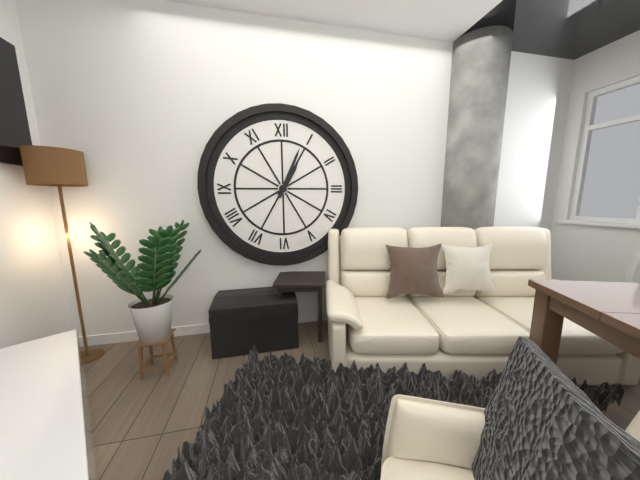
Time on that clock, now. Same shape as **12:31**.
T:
**1:04**
